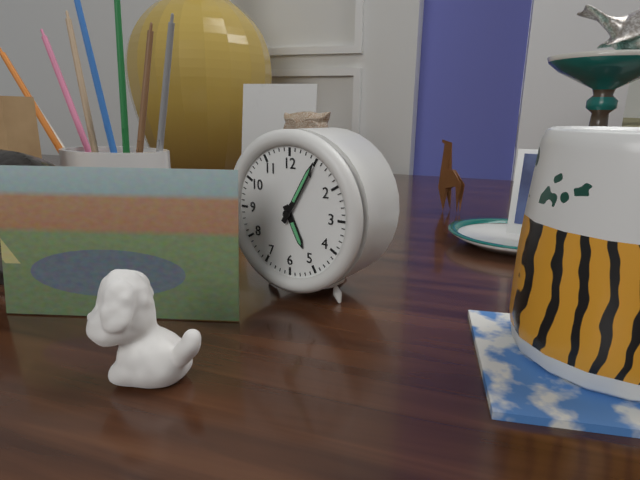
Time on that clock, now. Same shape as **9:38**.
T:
**5:05**
